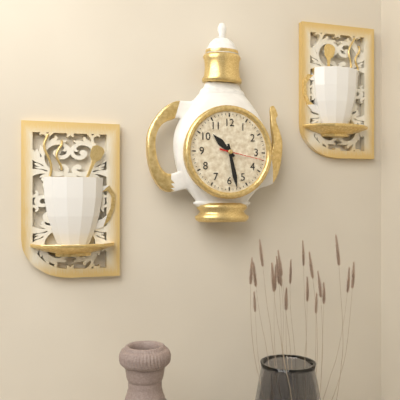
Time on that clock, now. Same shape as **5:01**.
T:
**10:28**
